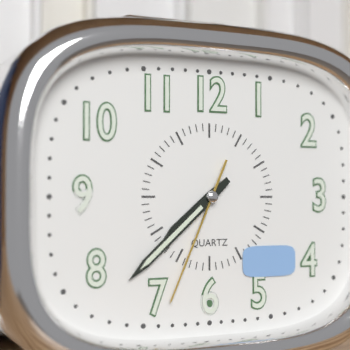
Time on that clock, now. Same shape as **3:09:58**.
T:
**7:38:34**
